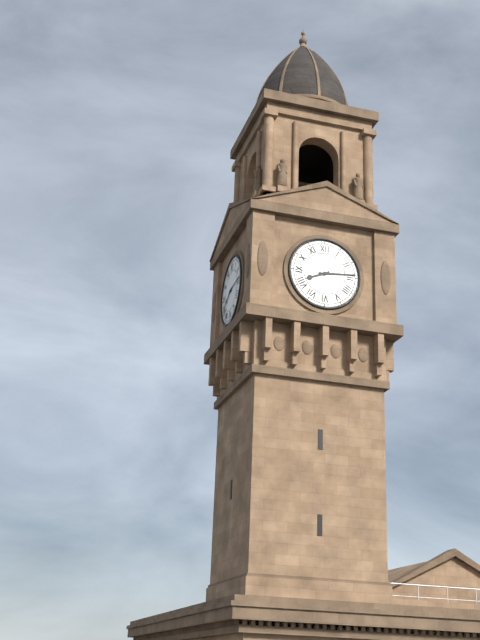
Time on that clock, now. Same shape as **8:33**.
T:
**8:14**
